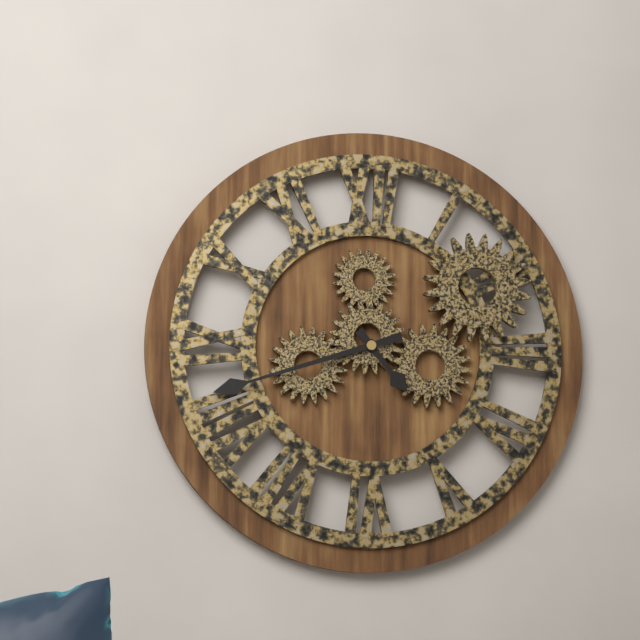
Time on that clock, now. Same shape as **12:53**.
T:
**4:42**
